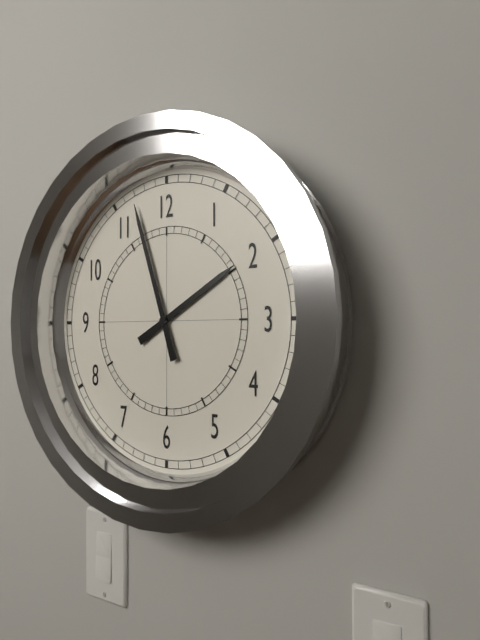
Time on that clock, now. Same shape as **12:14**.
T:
**1:57**
